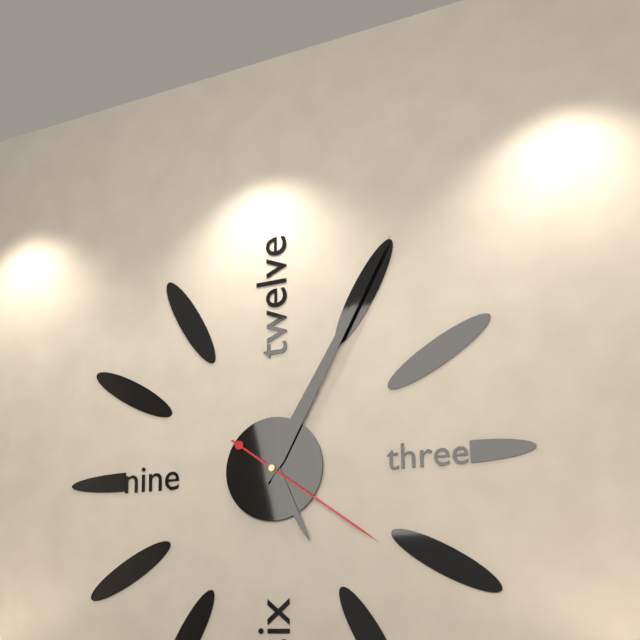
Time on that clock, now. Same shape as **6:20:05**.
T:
**5:05:21**
